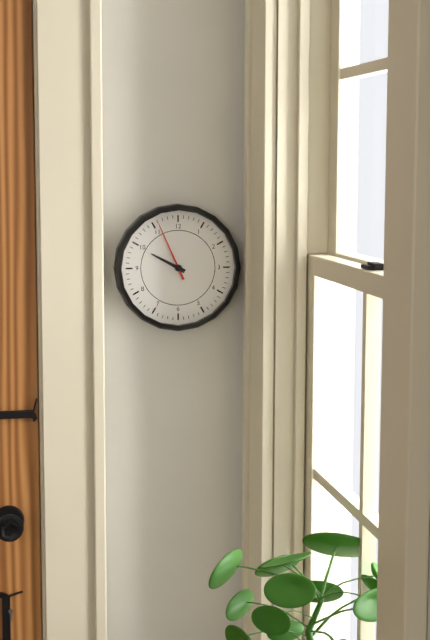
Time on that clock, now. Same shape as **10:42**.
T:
**9:56**
